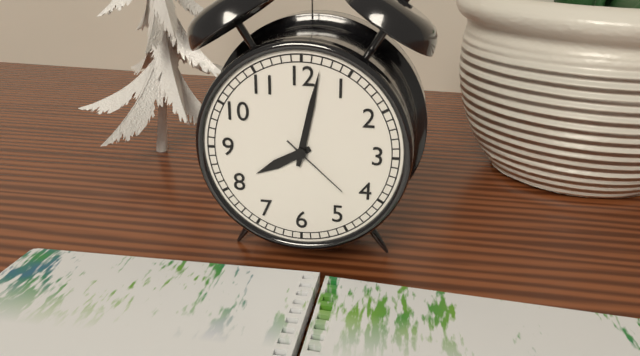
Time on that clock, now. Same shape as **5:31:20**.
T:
**8:02:22**
